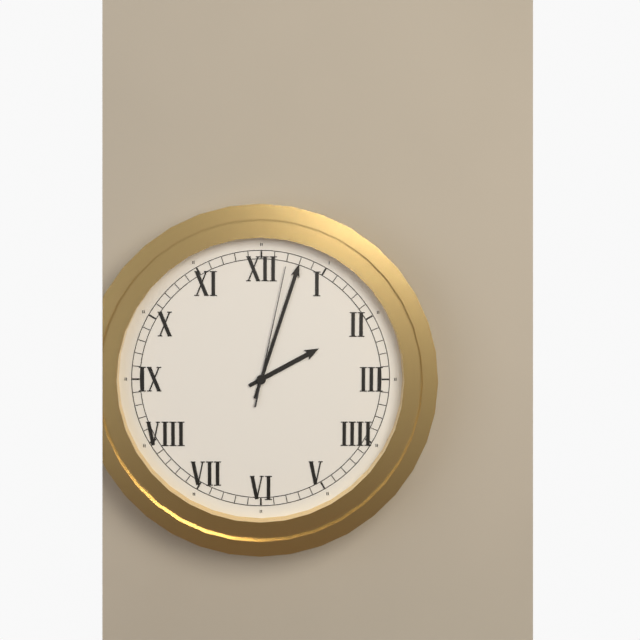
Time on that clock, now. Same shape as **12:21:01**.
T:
**2:03:02**
